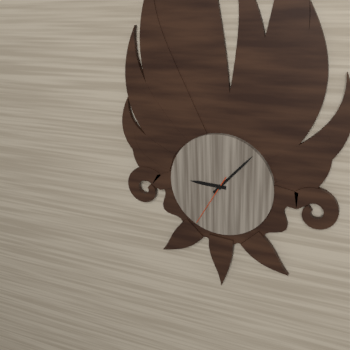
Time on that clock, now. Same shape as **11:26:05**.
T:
**9:07:35**
